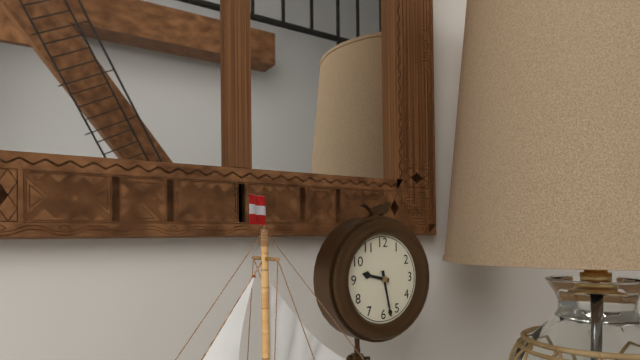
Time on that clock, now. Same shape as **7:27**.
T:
**9:28**
